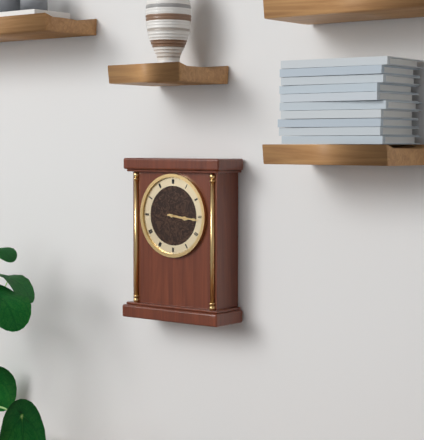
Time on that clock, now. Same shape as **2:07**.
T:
**3:16**
